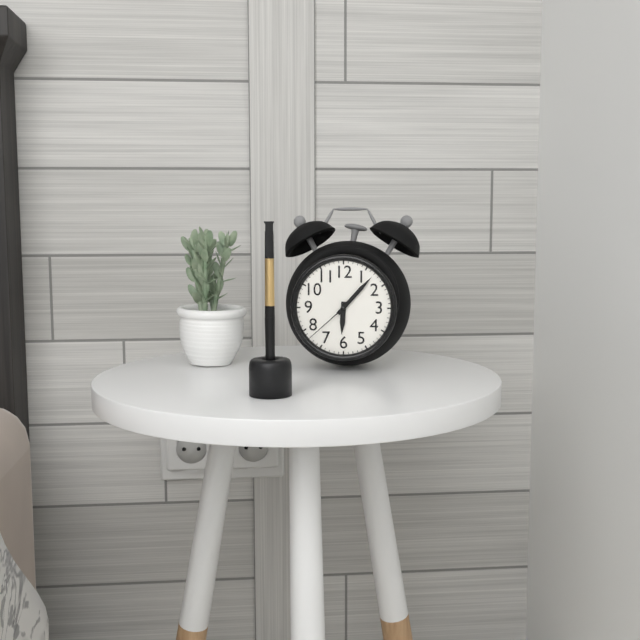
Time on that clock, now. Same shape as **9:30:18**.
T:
**6:07:38**
